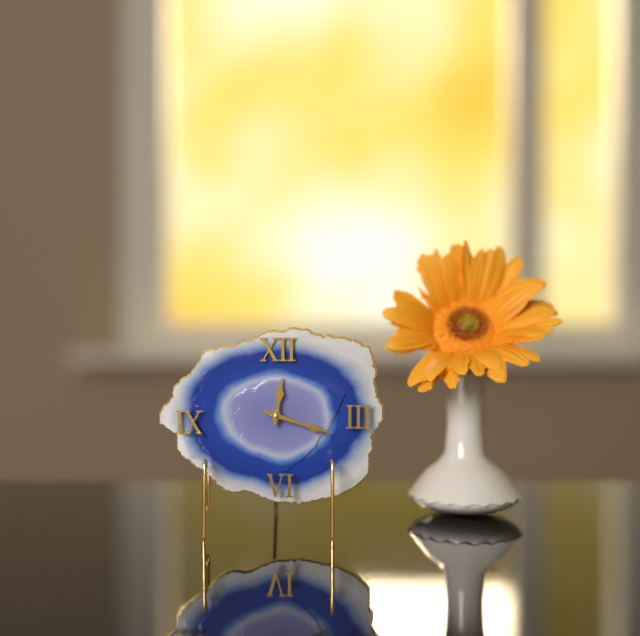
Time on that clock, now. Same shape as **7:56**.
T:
**12:18**
